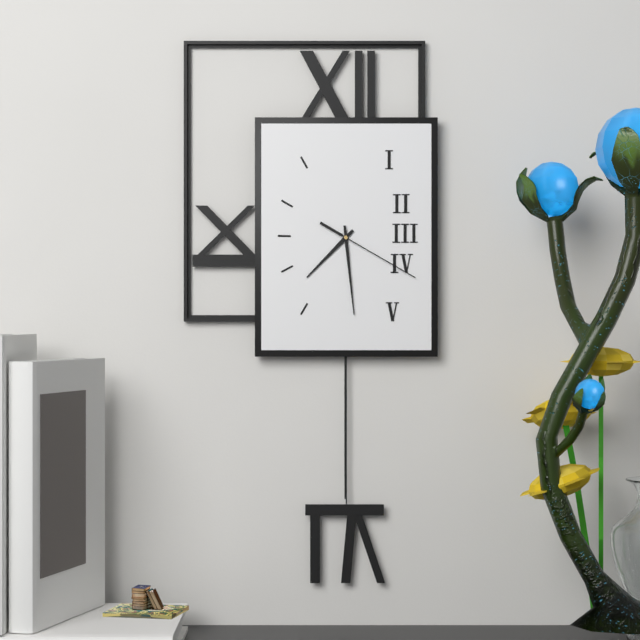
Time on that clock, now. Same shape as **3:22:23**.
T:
**7:29:20**
